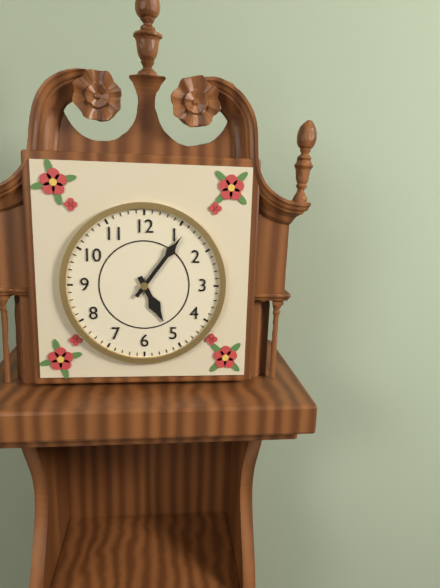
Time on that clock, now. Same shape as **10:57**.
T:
**5:06**
